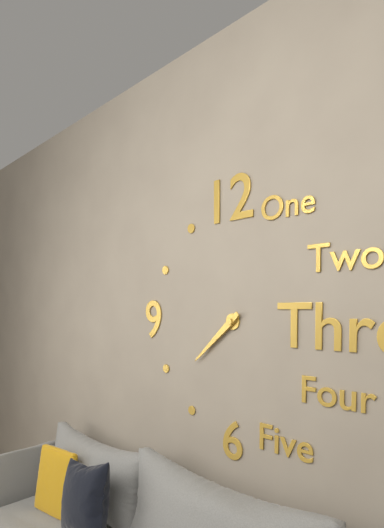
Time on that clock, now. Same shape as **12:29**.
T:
**7:38**
